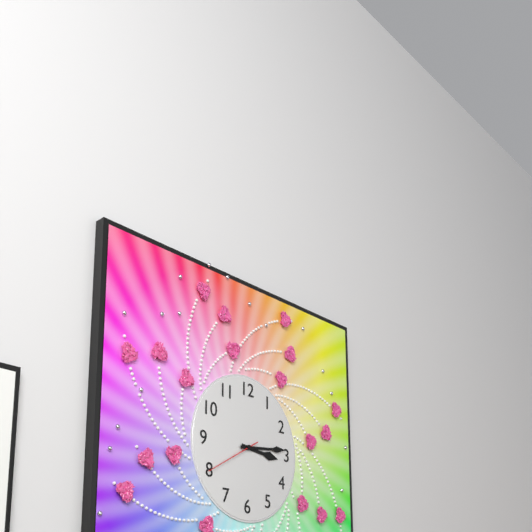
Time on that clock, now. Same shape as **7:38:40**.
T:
**3:14:40**
